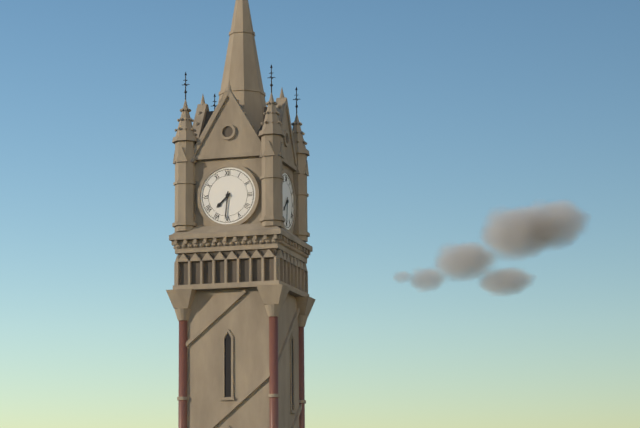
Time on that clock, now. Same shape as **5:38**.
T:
**7:31**
